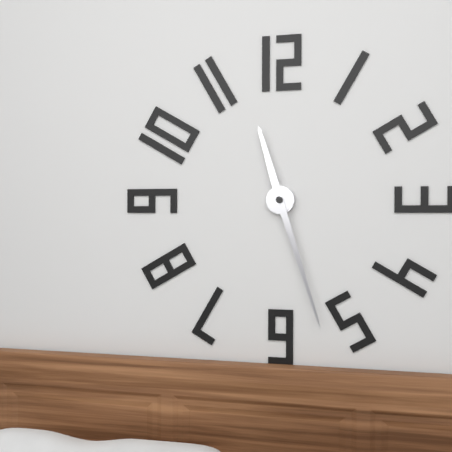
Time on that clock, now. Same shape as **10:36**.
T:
**11:27**
